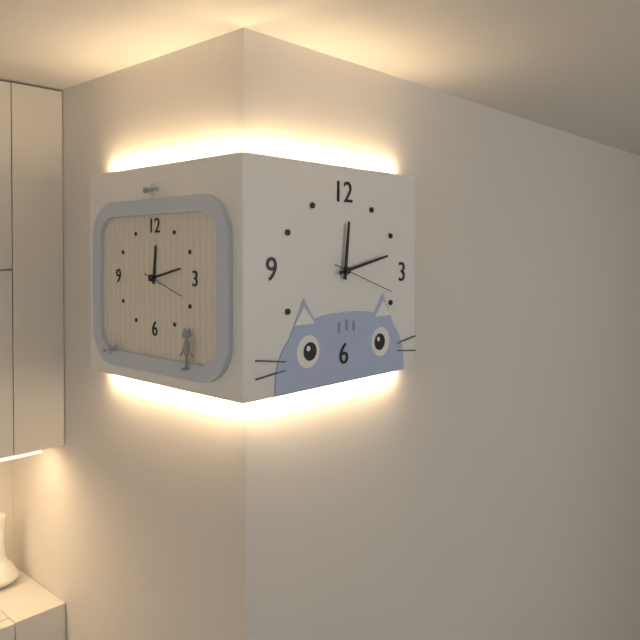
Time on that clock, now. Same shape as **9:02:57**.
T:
**12:13:18**
